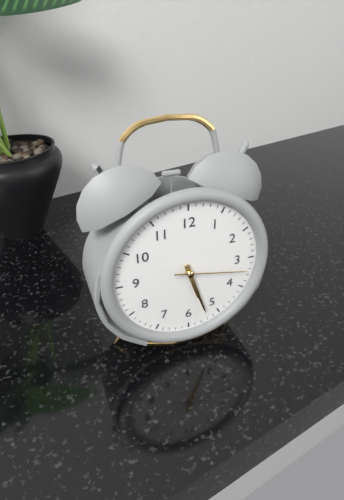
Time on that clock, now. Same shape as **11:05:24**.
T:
**5:27:17**
